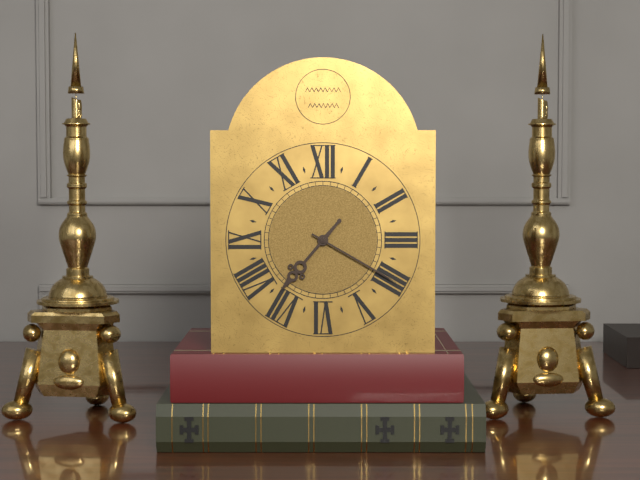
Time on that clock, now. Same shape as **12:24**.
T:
**7:20**
